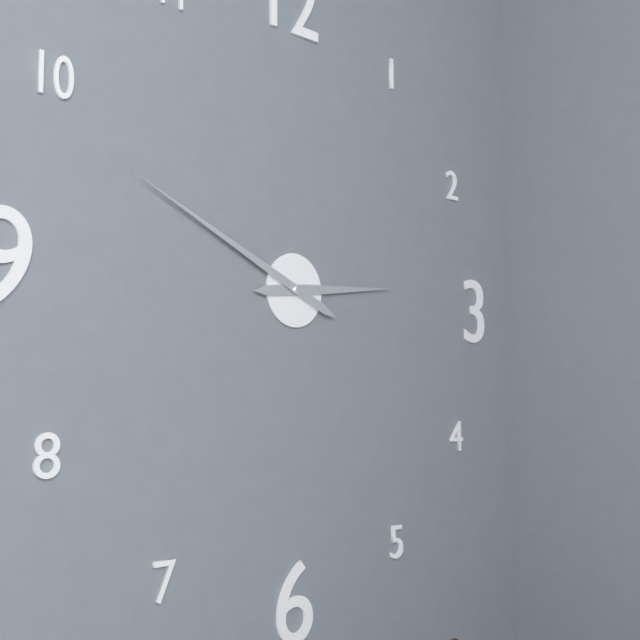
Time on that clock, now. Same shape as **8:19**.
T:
**2:49**
